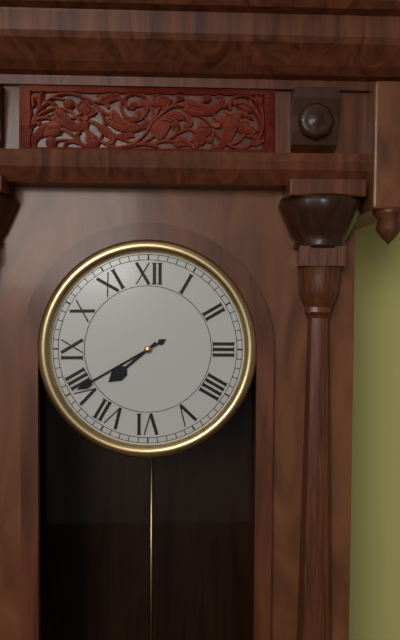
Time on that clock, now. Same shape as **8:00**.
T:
**7:40**
